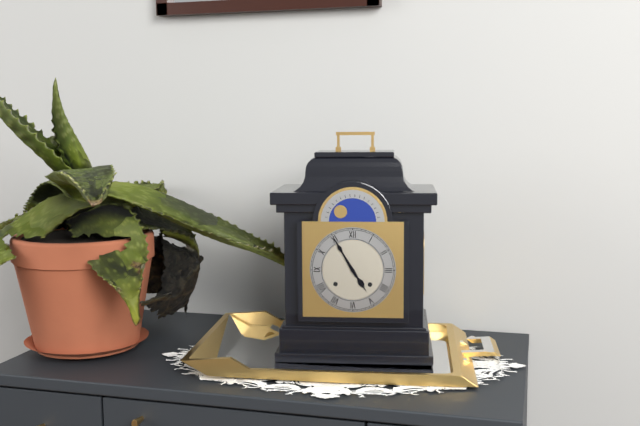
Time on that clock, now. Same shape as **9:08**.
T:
**4:55**
